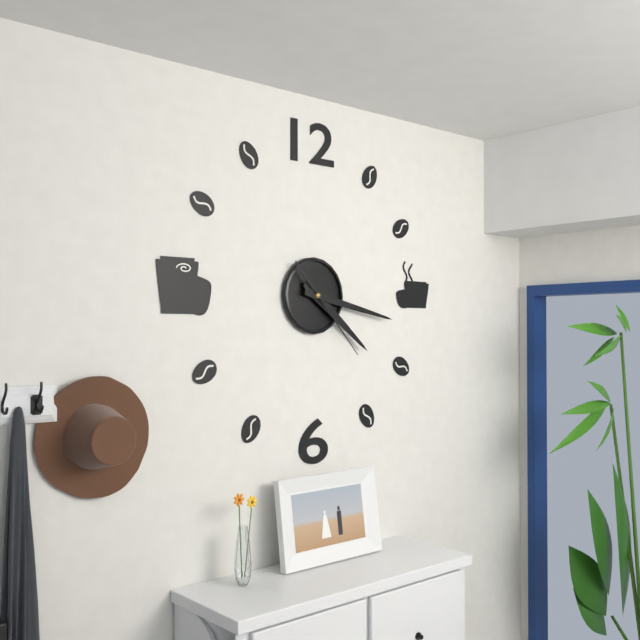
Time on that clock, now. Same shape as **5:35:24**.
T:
**4:17:23**
